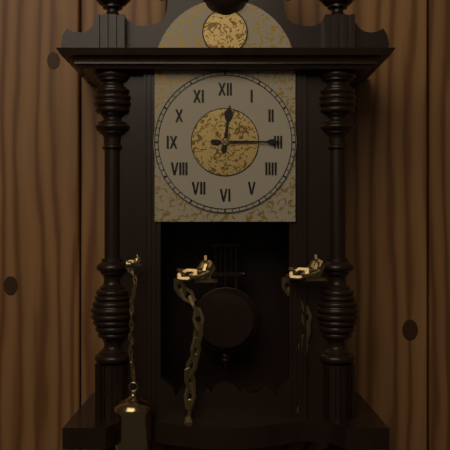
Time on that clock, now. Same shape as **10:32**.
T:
**12:15**
